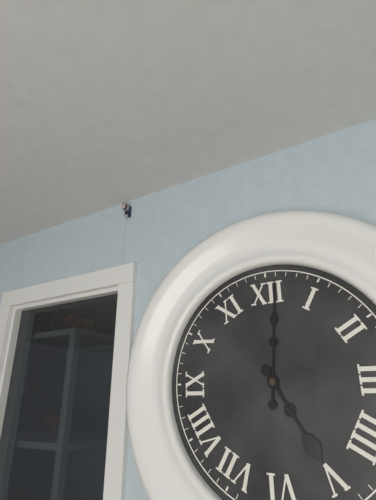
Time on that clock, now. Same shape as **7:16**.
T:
**5:01**
